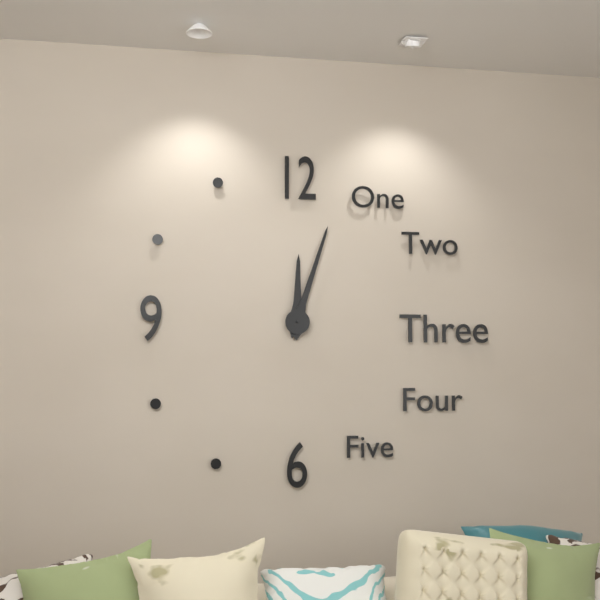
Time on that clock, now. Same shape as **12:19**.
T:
**12:03**
